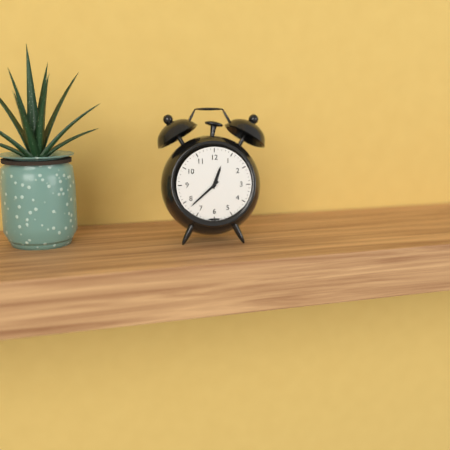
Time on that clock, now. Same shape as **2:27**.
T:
**12:38**
